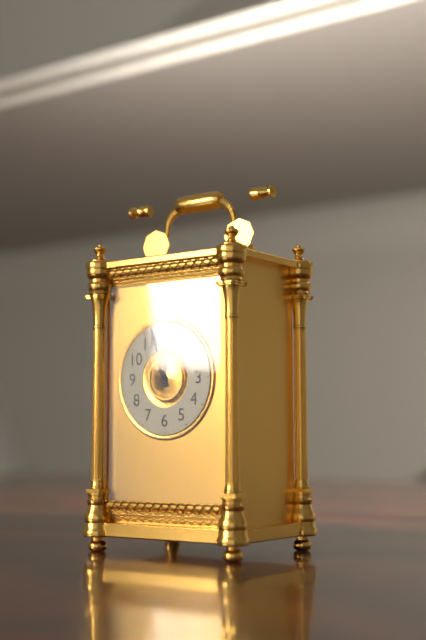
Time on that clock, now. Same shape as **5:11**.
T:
**11:57**
